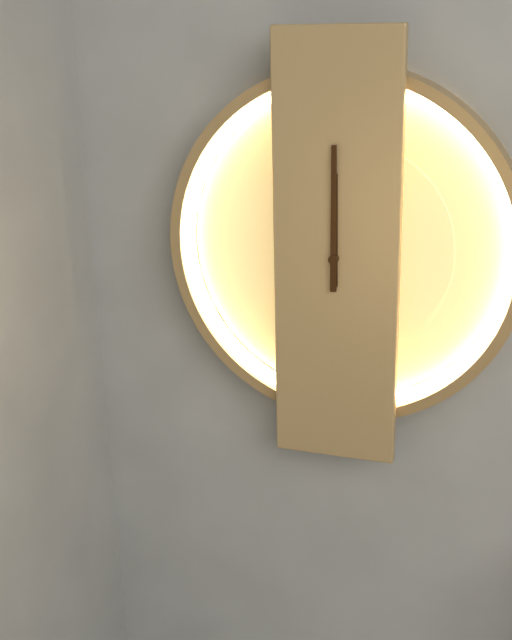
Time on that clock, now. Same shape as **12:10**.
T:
**12:00**
